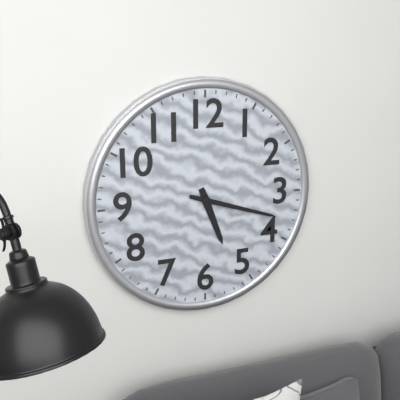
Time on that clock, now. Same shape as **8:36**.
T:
**5:18**
